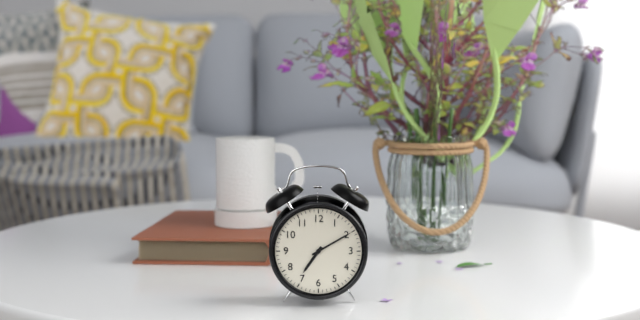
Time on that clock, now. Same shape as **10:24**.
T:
**7:10**
